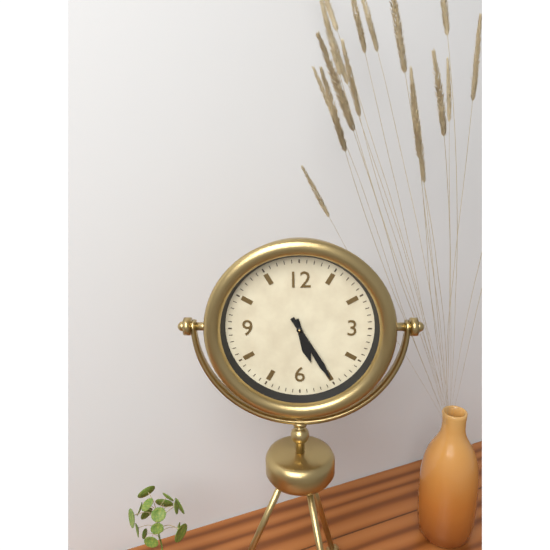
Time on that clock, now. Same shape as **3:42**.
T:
**5:25**
